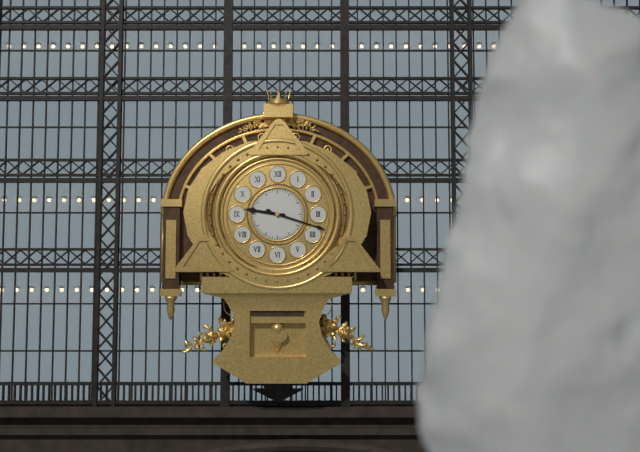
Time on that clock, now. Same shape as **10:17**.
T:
**9:18**
